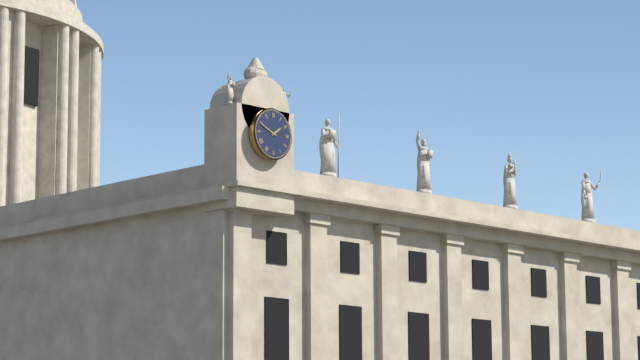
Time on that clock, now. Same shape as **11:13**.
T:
**1:49**
